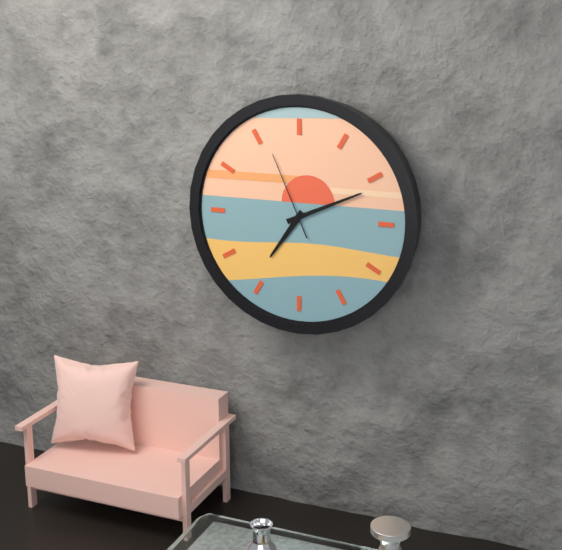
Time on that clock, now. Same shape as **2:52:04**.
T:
**7:11:56**
